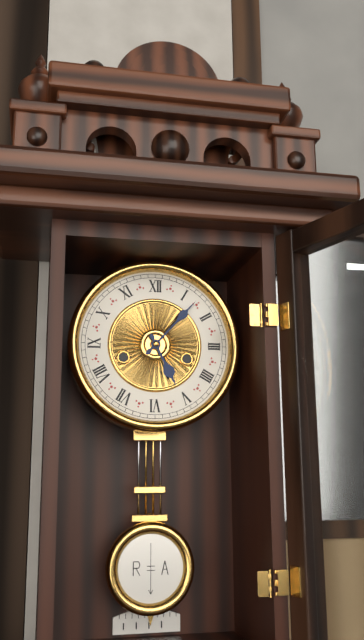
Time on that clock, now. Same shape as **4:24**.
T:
**5:07**
